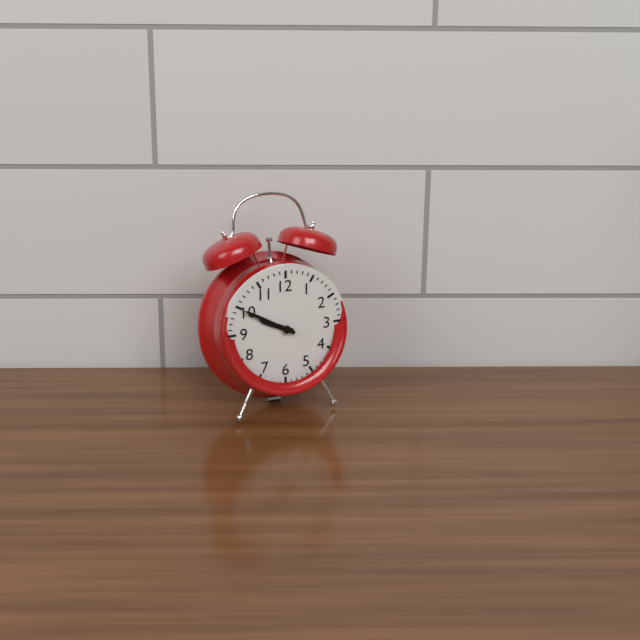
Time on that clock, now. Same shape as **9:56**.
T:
**9:50**
